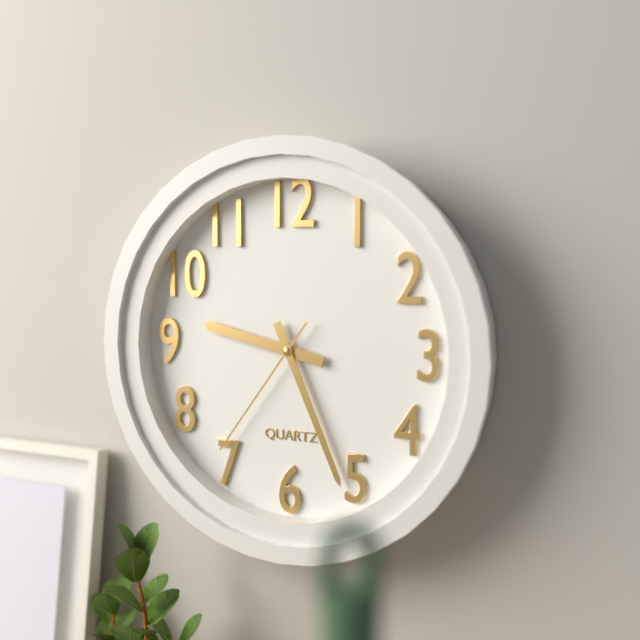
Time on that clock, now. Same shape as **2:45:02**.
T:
**9:26:36**
